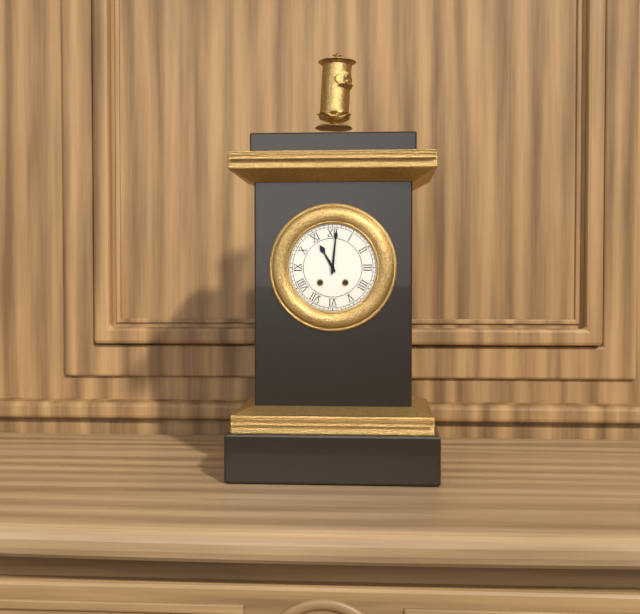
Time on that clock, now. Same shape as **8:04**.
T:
**11:01**
